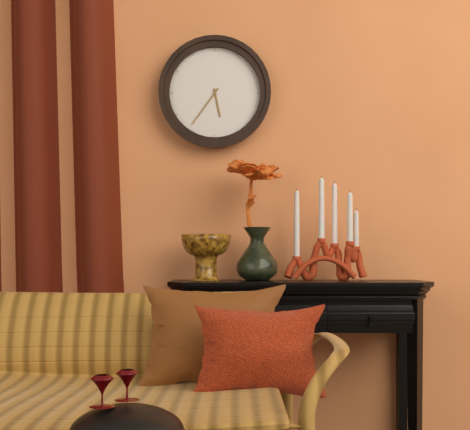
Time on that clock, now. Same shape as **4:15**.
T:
**5:36**
